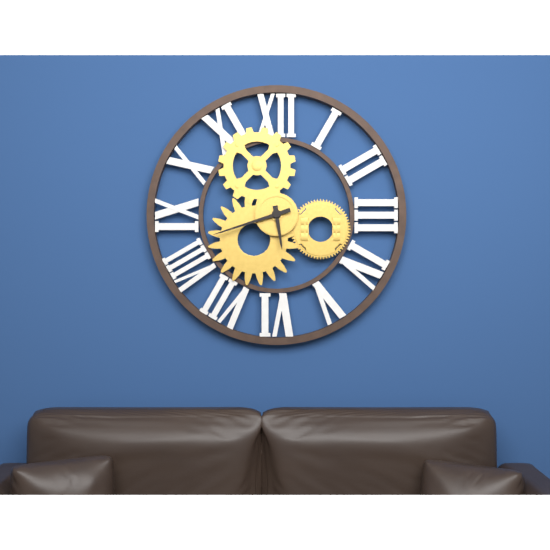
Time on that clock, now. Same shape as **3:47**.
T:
**5:42**
